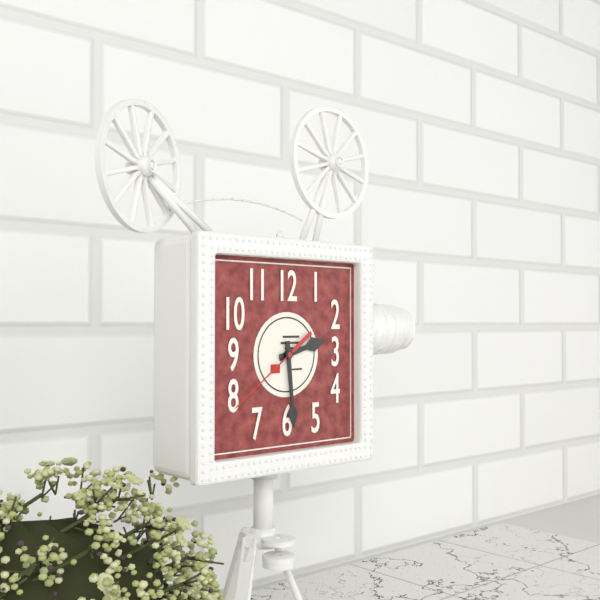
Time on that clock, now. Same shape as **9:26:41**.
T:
**2:29:39**
